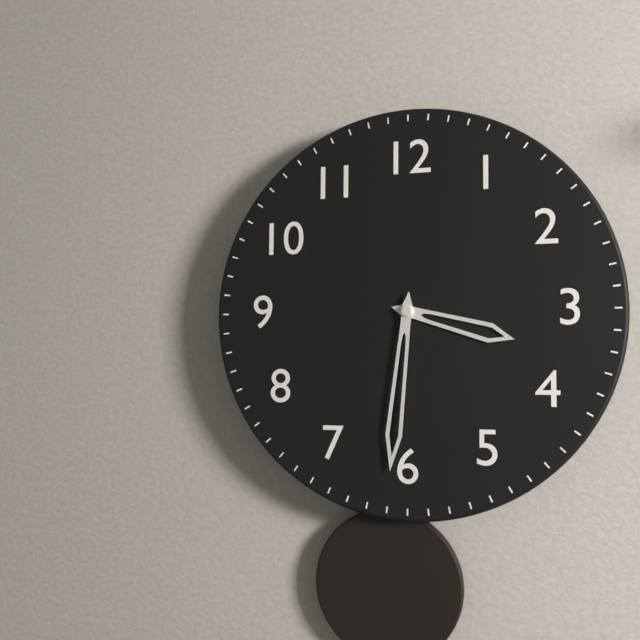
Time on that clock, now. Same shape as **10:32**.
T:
**3:31**
